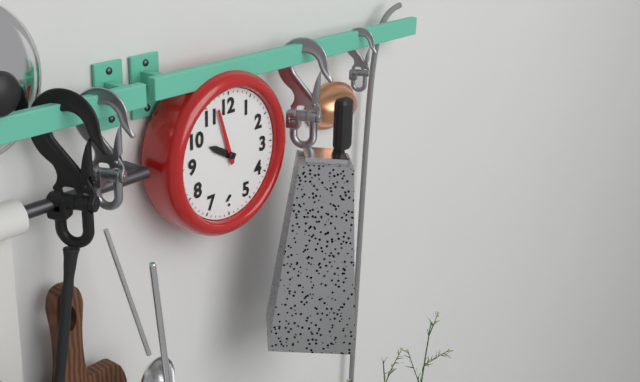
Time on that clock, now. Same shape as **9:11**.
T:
**9:57**
